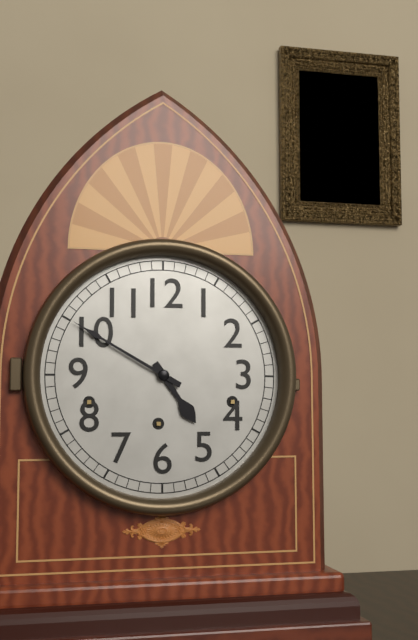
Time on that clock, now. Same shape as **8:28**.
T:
**4:50**
